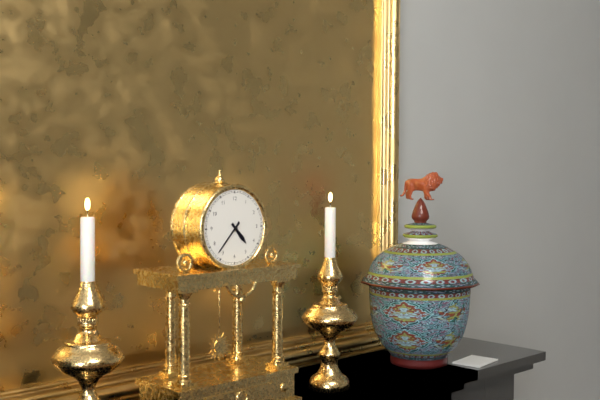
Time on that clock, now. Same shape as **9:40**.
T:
**4:37**
